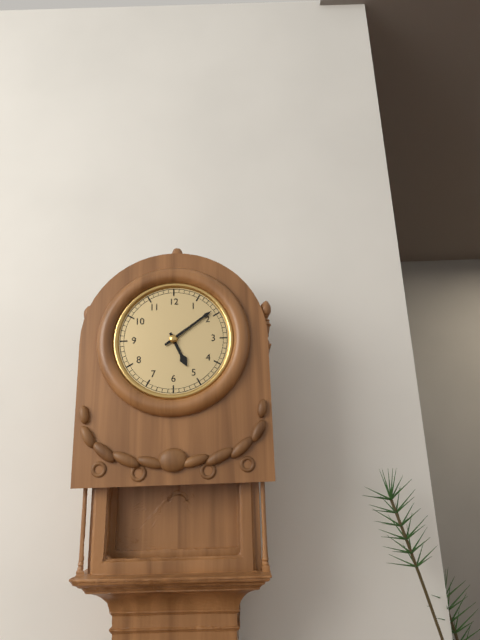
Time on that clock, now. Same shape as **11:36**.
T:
**5:09**
